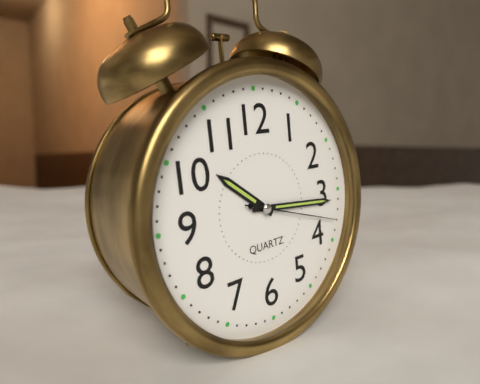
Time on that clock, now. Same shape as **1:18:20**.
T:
**10:16:18**
